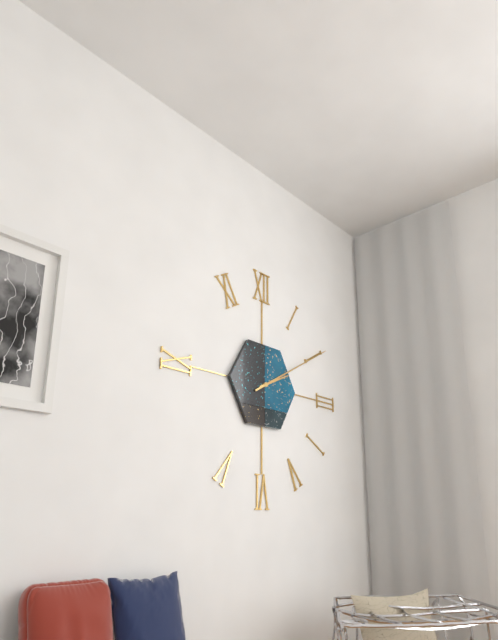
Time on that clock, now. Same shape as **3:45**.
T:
**2:10**
